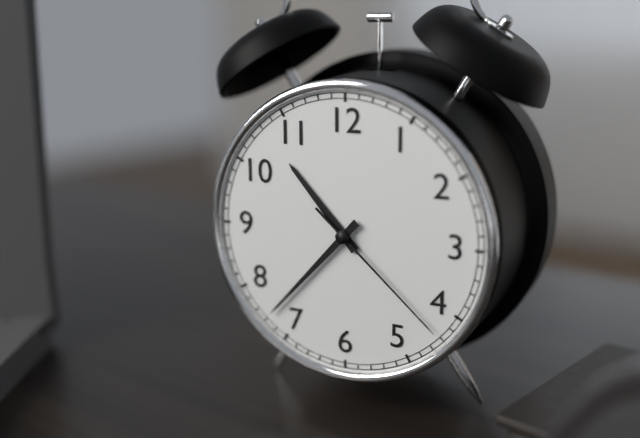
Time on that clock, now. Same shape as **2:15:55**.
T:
**10:37:22**
